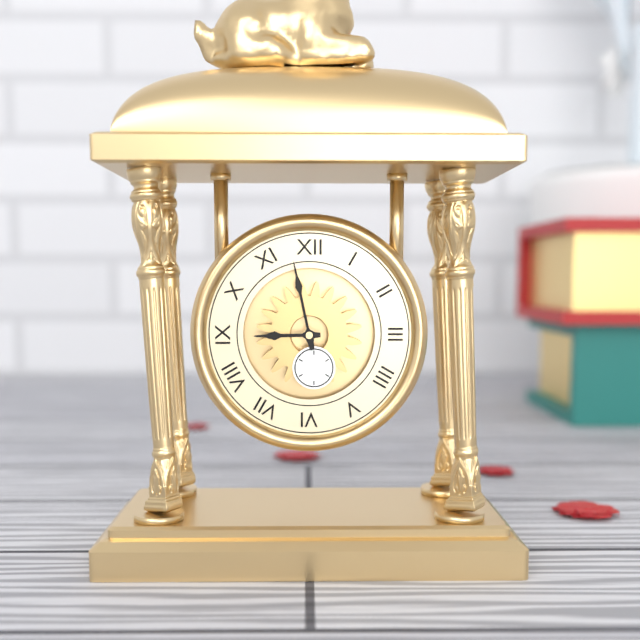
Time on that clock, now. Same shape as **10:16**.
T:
**8:58**
